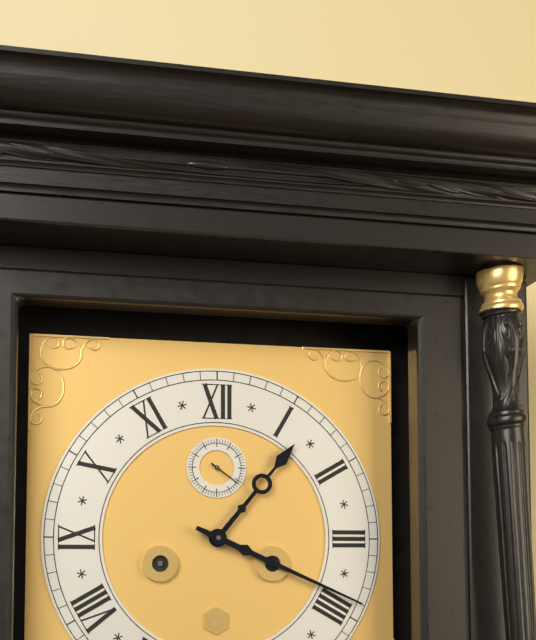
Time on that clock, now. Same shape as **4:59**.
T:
**1:19**
